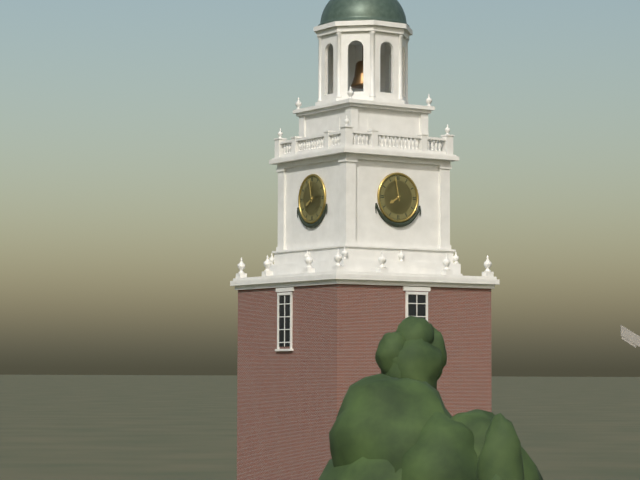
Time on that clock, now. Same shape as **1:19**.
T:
**7:58**
